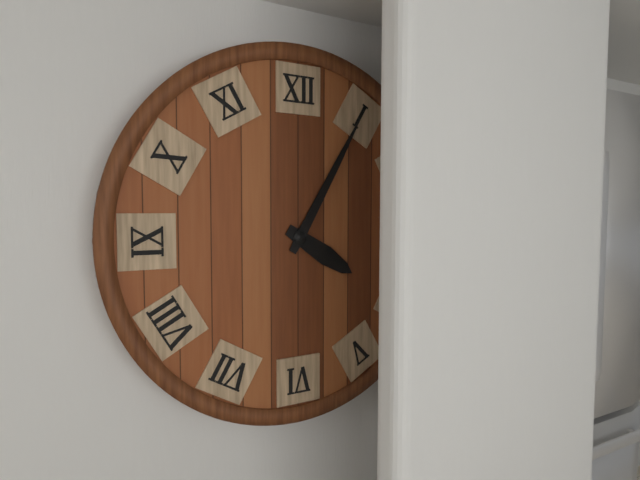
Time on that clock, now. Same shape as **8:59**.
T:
**4:05**
